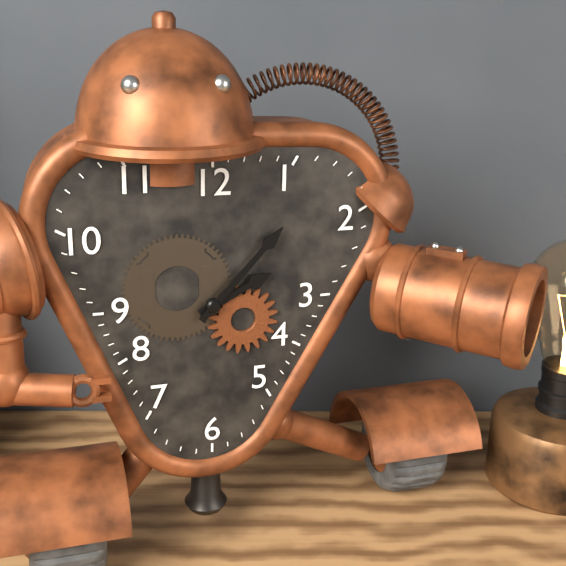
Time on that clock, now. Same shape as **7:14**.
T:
**2:07**
